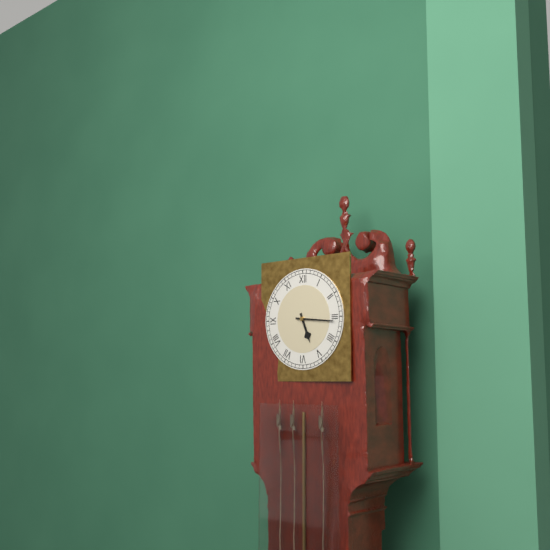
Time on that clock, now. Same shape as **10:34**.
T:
**5:16**
